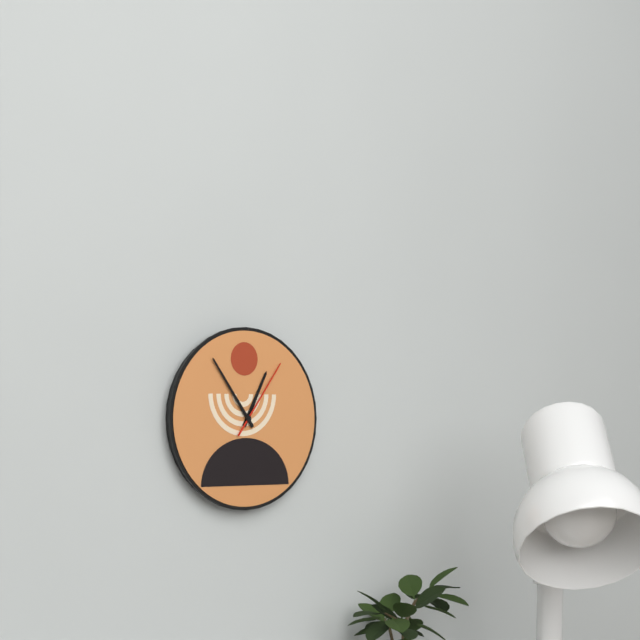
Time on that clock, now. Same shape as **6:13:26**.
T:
**12:54:06**
